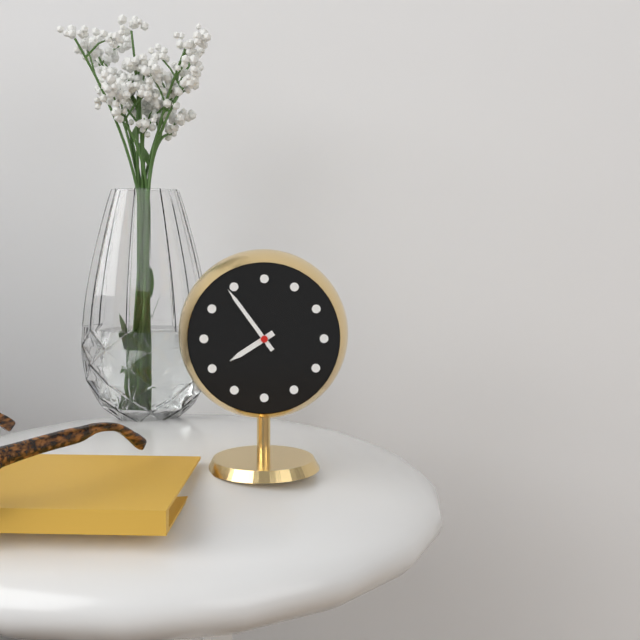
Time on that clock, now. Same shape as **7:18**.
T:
**7:54**
